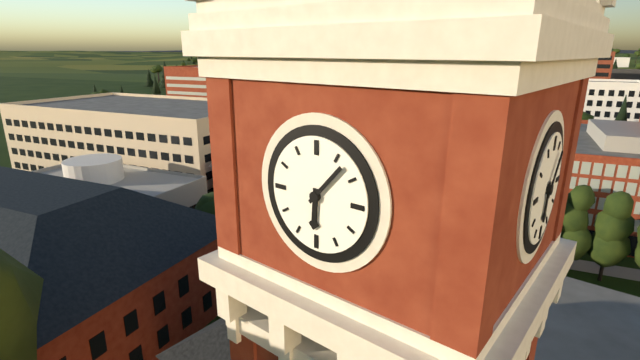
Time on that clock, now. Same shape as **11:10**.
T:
**6:07**
